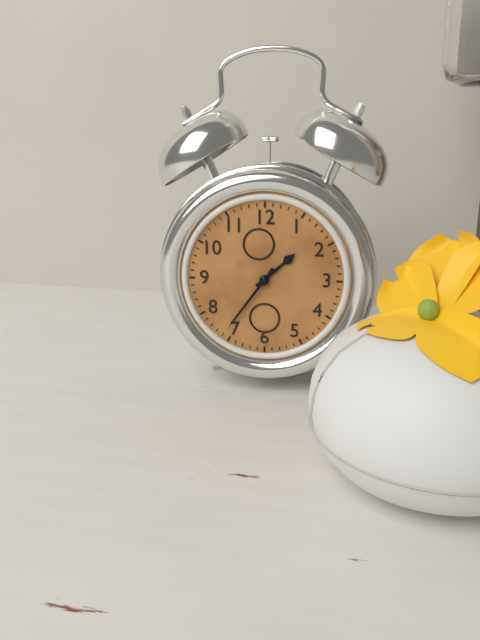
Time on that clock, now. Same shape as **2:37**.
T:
**1:36**
